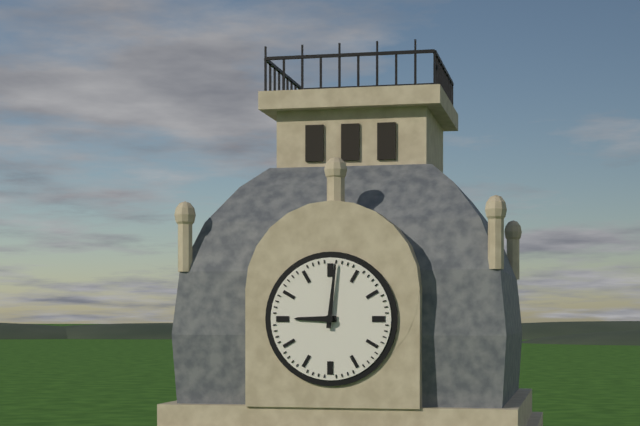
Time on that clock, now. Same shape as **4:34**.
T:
**9:01**
